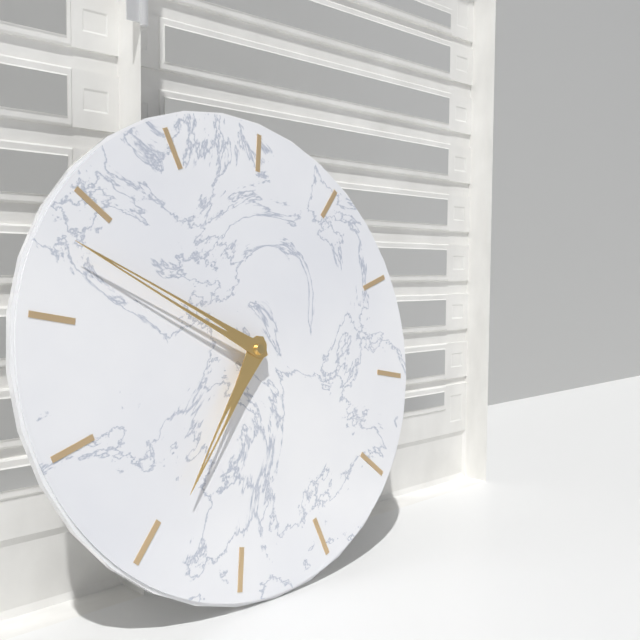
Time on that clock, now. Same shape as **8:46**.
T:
**7:53**
